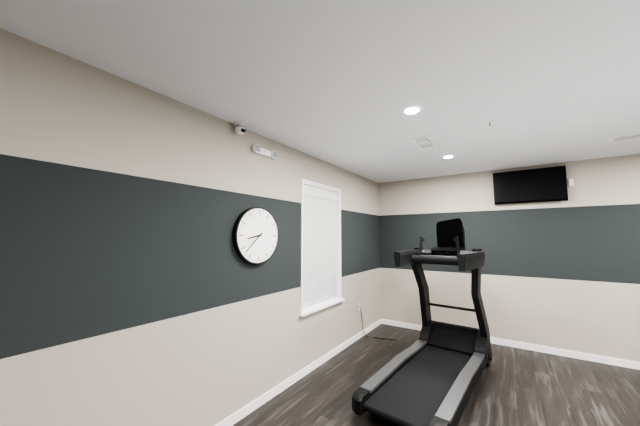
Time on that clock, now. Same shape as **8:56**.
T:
**8:38**
